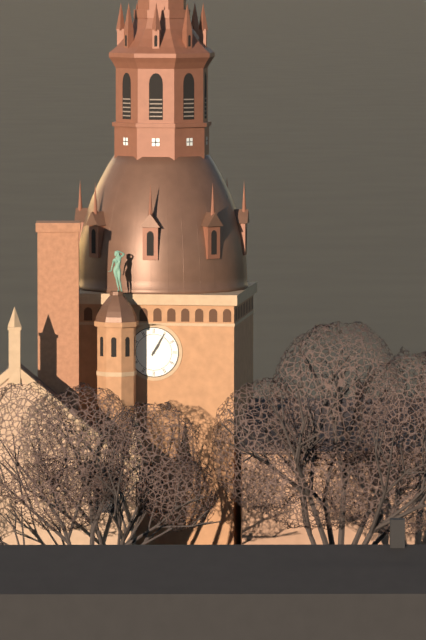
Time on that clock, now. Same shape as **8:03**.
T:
**1:05**
